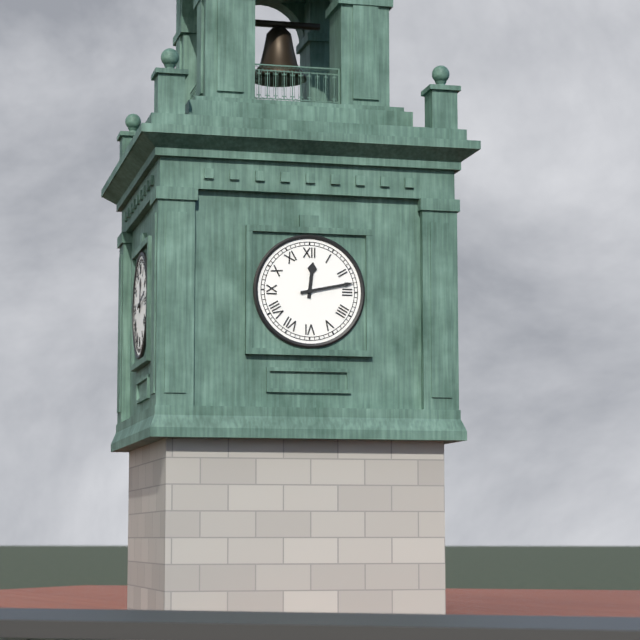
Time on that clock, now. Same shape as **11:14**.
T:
**12:13**
